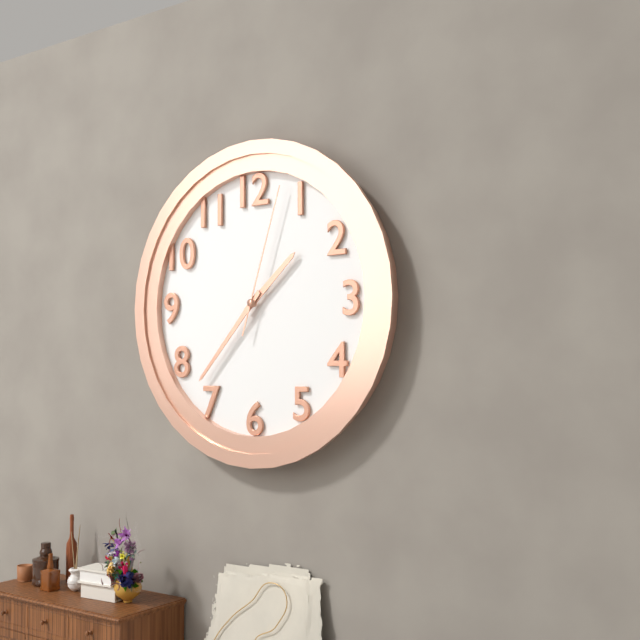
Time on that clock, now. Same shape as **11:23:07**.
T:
**1:37:03**
